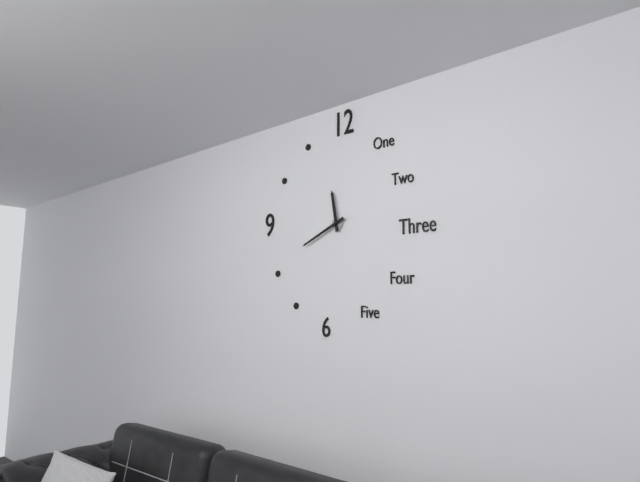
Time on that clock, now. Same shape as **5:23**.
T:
**11:41**
